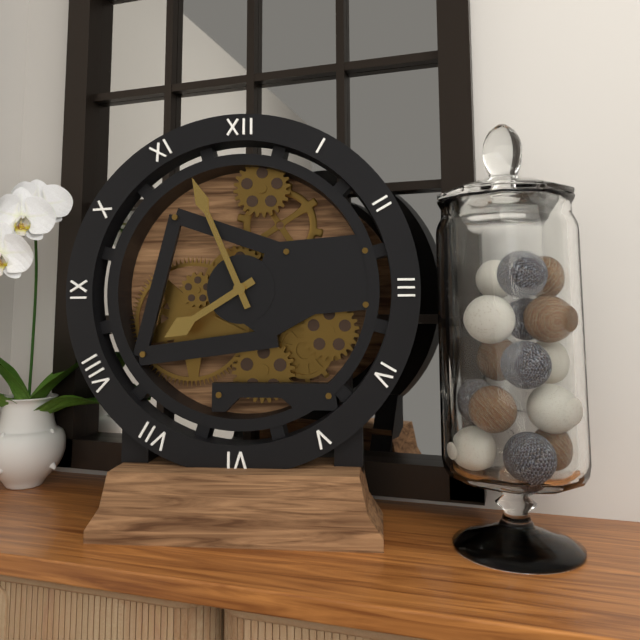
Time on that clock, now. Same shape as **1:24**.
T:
**7:56**
